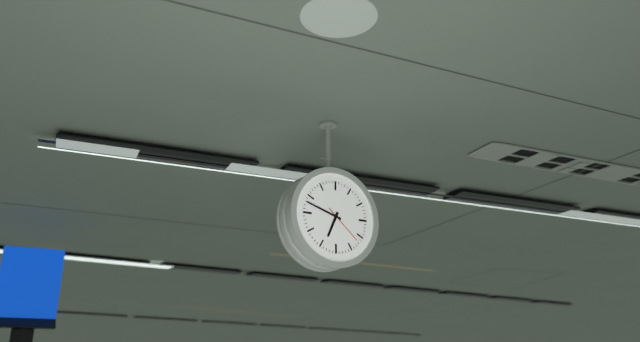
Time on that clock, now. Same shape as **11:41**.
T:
**6:48**
